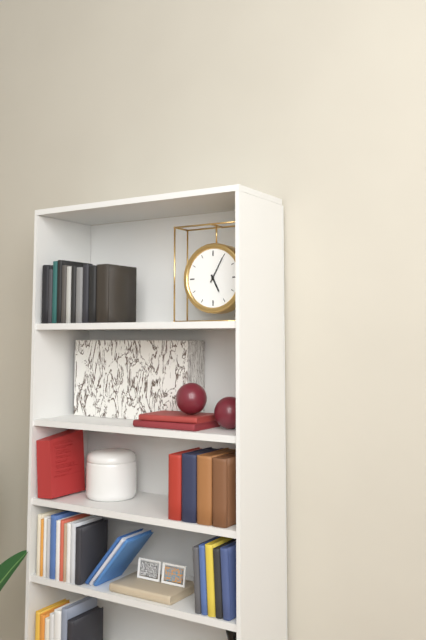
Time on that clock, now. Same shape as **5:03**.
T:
**5:05**
